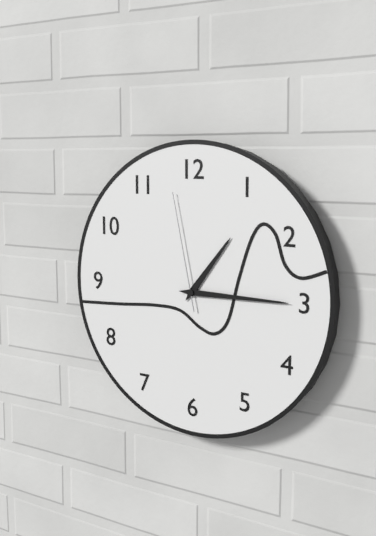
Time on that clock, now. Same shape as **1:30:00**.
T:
**1:15:58**
